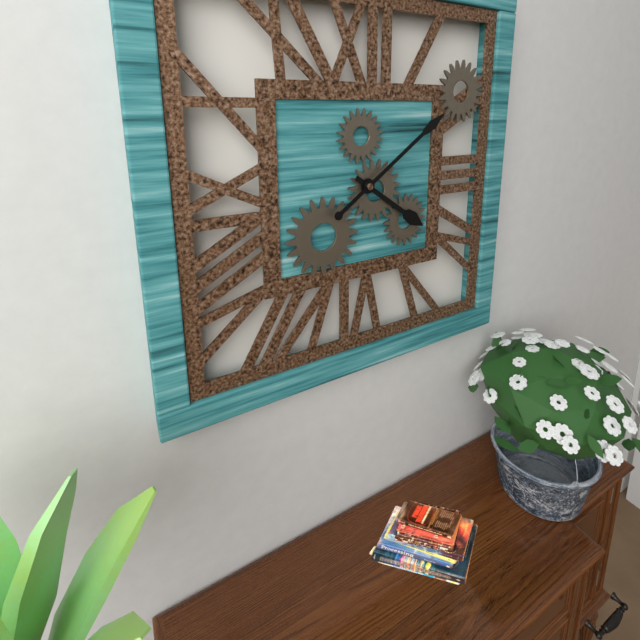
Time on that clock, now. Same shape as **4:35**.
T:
**4:09**
